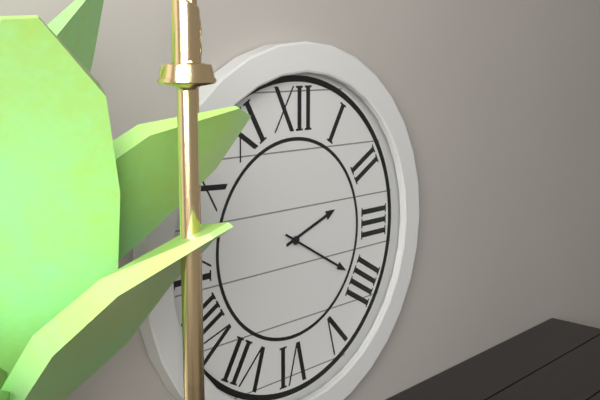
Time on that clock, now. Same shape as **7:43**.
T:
**2:20**
